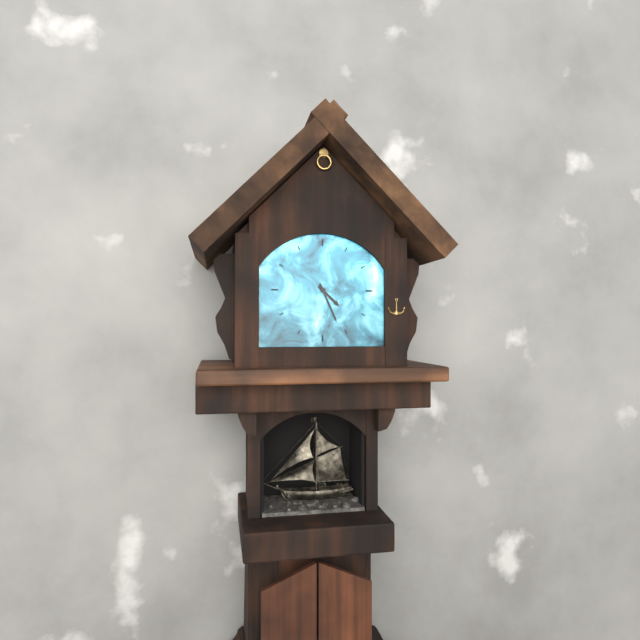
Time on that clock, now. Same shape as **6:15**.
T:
**4:26**
